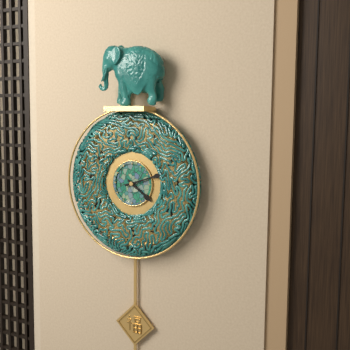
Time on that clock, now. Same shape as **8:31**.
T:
**4:12**
